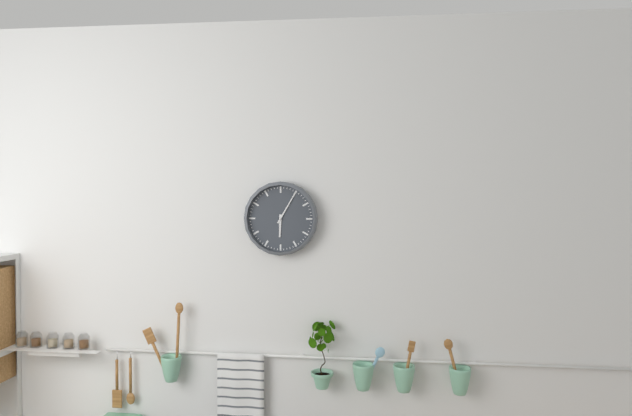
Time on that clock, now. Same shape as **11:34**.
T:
**6:05**
